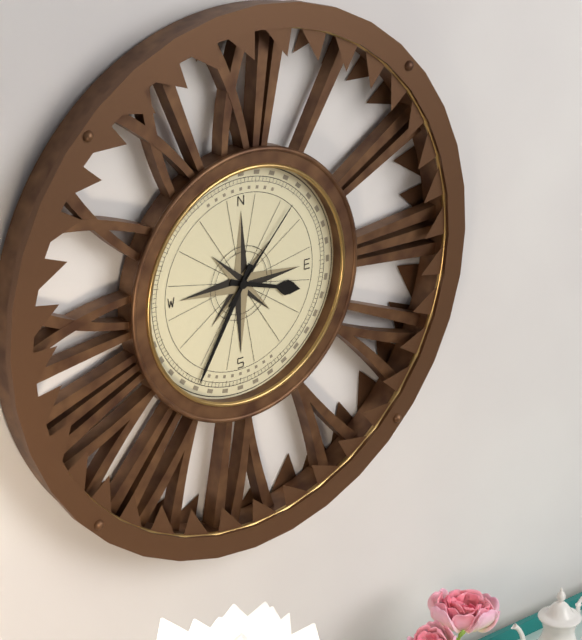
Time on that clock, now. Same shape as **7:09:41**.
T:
**3:35:07**
